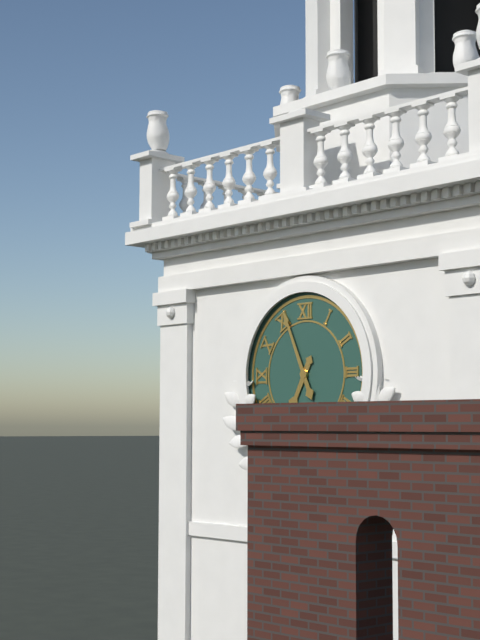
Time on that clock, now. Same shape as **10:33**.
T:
**6:56**
